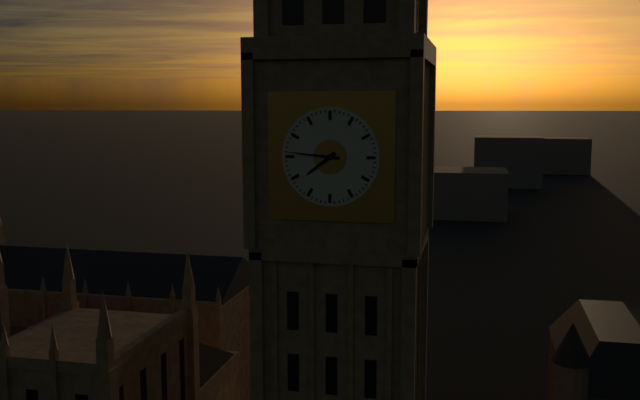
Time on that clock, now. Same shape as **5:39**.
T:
**7:46**
